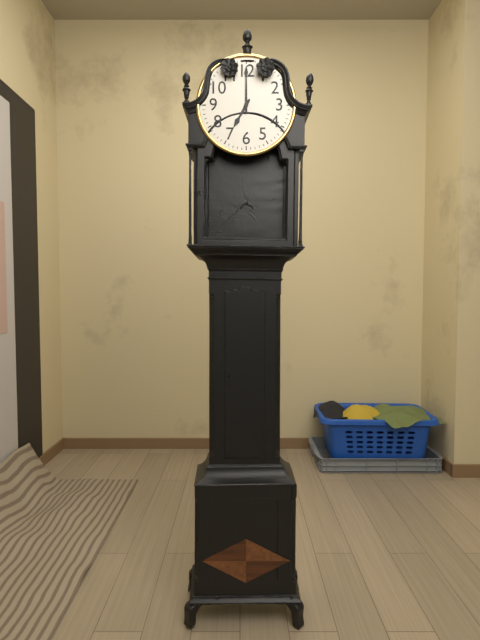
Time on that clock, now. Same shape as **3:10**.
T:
**7:00**
